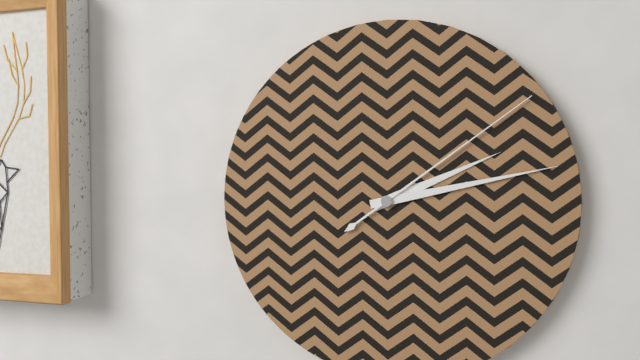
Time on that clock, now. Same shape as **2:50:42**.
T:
**2:13:09**
